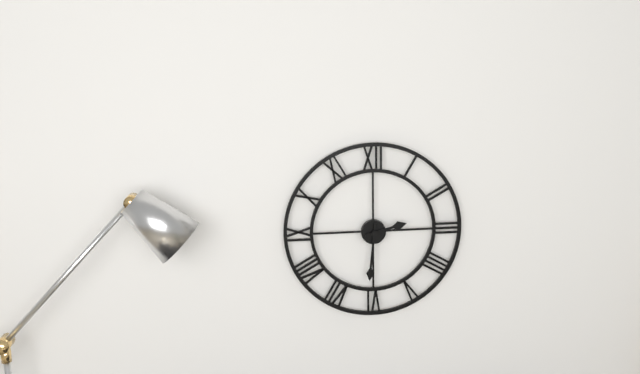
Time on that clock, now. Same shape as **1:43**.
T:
**2:31**
